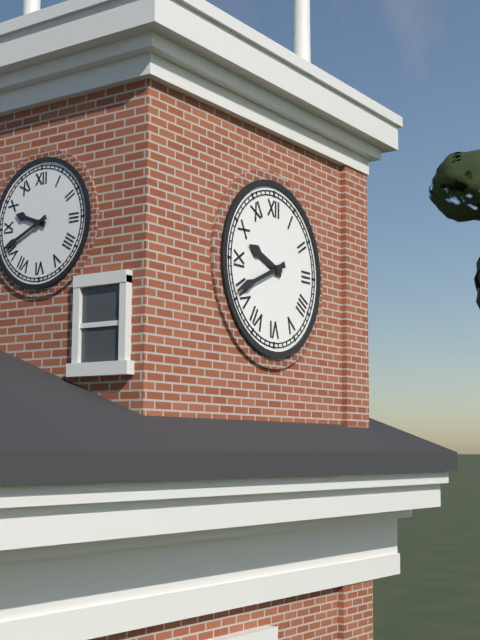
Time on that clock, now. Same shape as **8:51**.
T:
**9:41**
